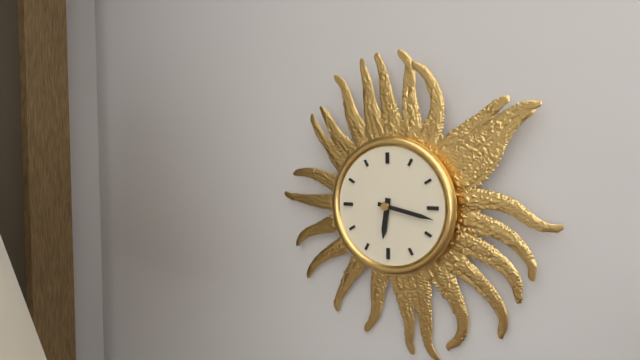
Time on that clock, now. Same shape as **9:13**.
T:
**6:17**
